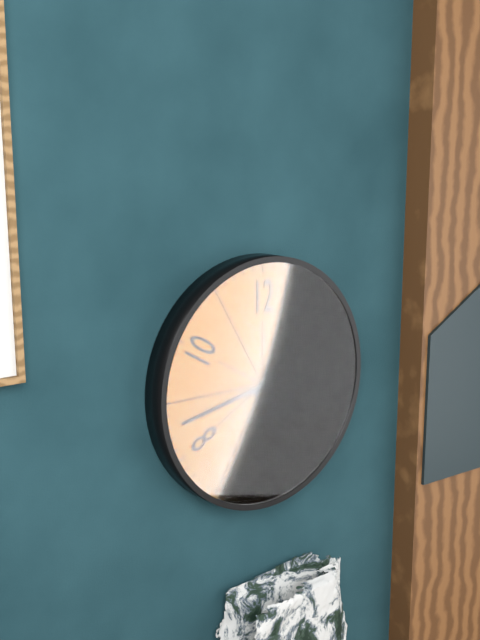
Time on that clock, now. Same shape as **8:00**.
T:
**1:43**
